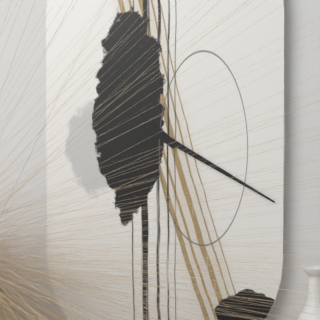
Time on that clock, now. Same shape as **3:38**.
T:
**10:20**
